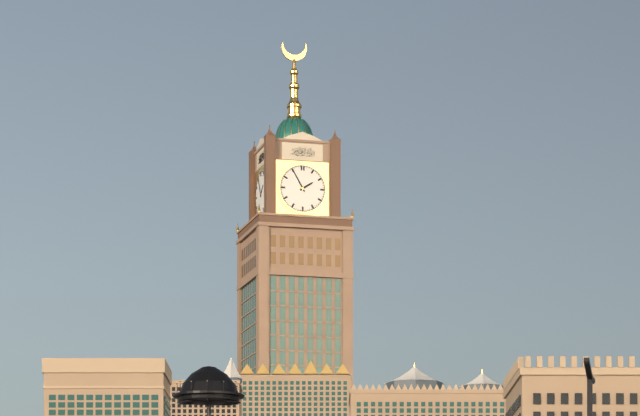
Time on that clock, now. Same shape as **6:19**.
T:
**1:55**
